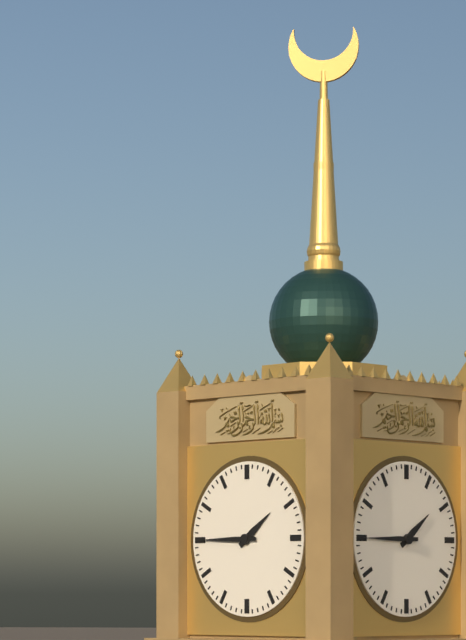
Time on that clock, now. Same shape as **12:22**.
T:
**1:45**
